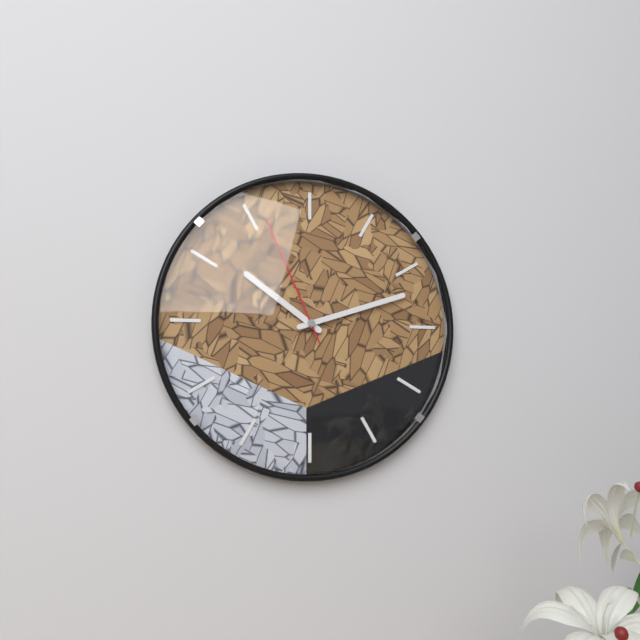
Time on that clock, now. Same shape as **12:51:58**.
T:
**10:12:56**
